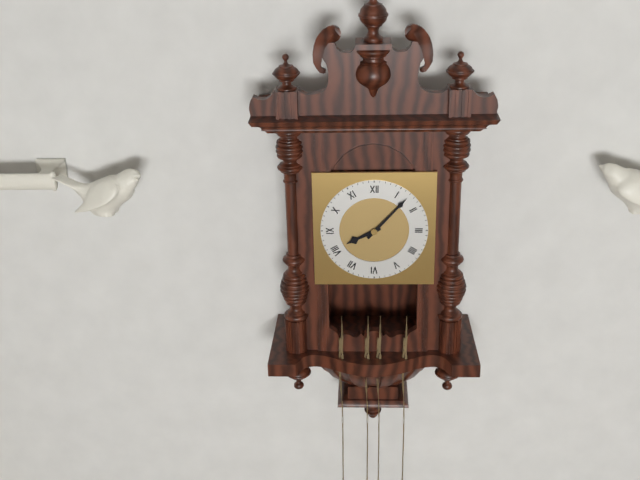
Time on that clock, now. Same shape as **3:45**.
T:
**8:07**
